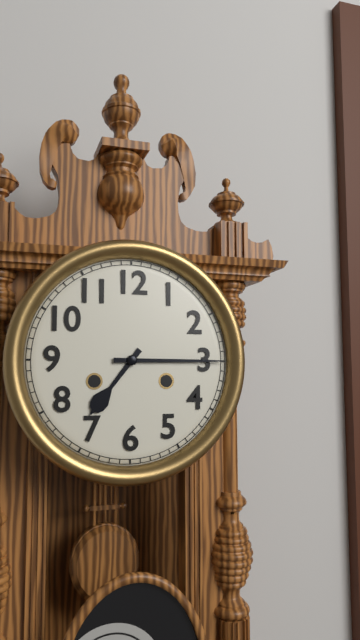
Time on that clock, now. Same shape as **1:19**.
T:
**7:15**
